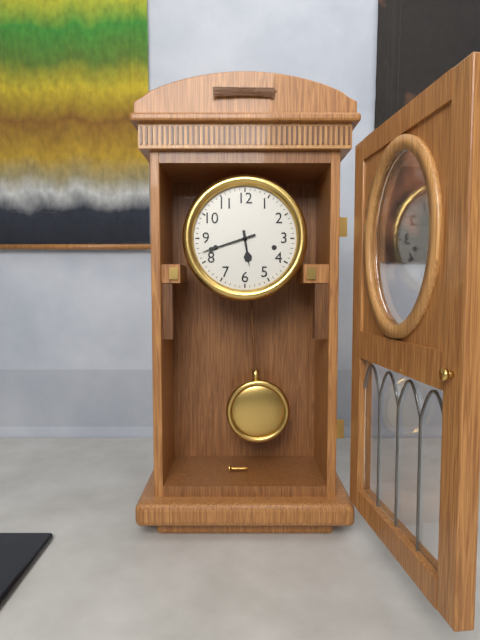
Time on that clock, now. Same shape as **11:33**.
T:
**5:42**
